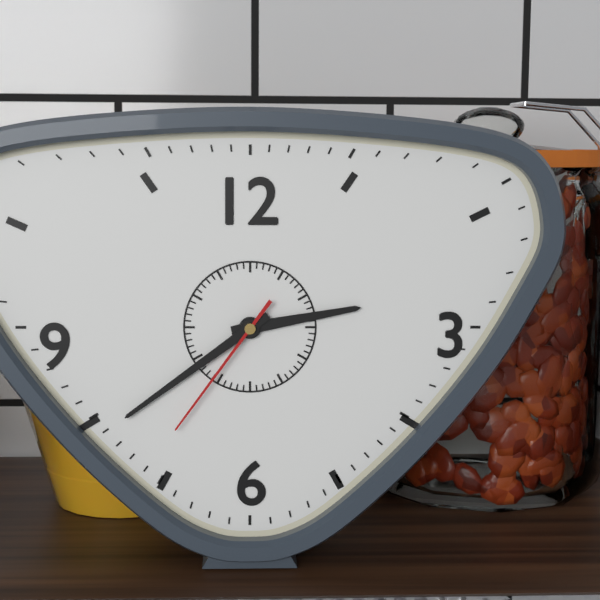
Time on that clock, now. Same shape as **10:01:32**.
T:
**2:39:36**
